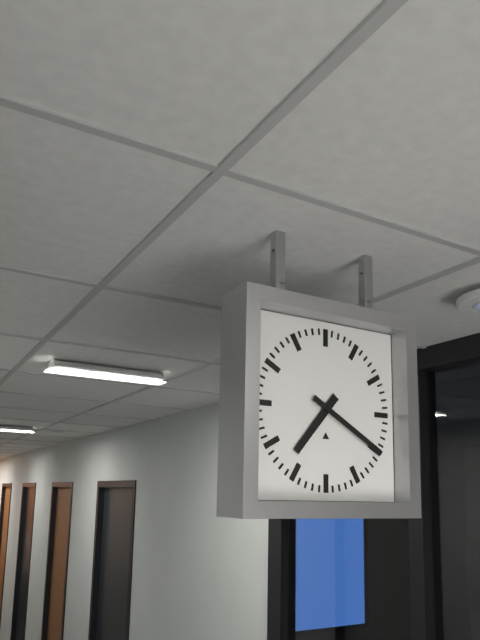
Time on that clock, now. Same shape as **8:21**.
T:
**7:20**
